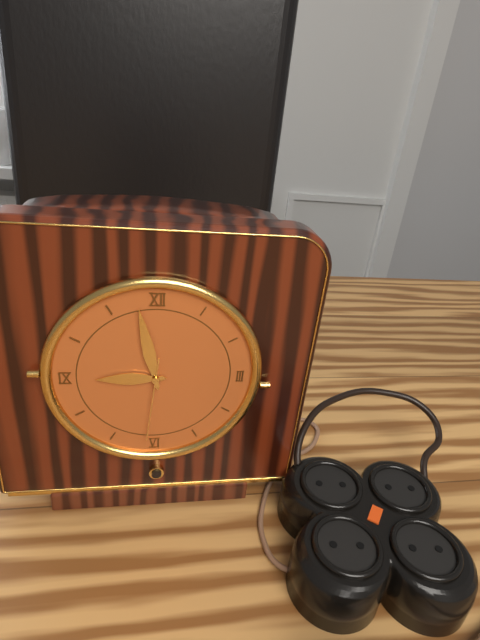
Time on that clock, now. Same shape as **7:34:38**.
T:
**8:58:31**
